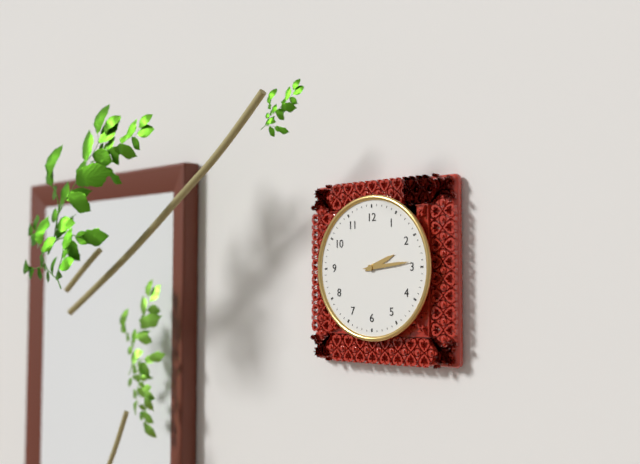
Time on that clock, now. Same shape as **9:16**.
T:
**2:14**
